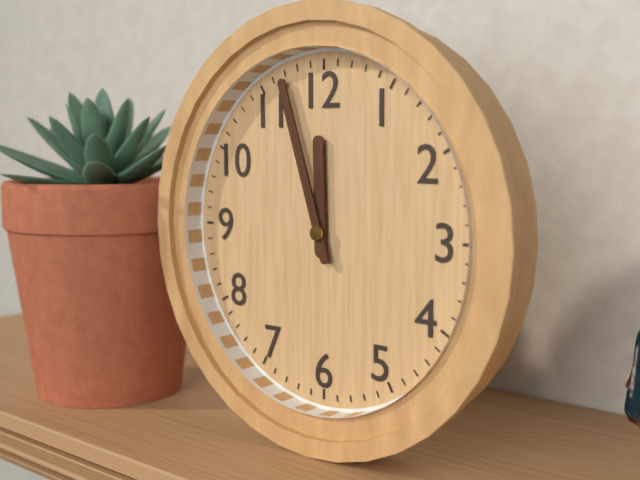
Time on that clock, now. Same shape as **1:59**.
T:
**11:57**
